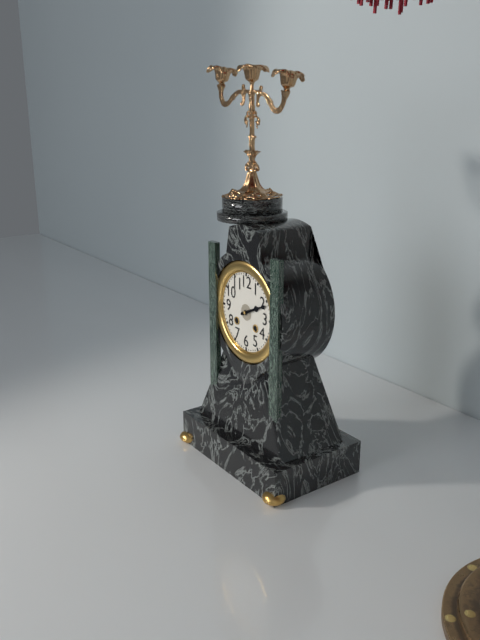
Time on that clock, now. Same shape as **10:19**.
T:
**2:11**
